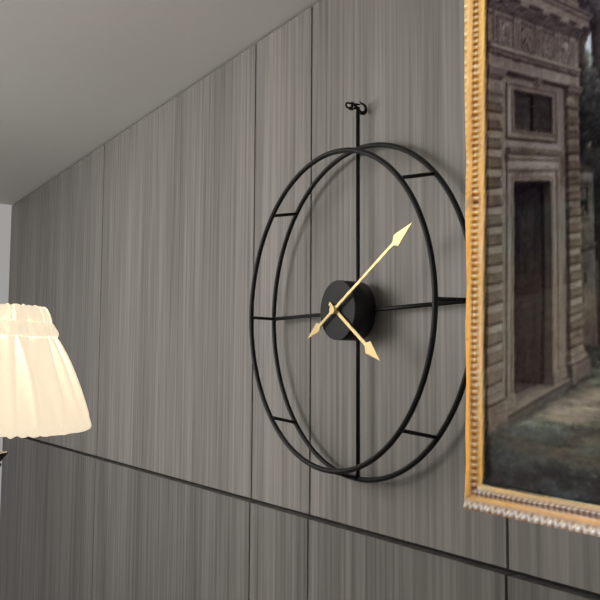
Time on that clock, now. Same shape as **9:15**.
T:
**4:10**
